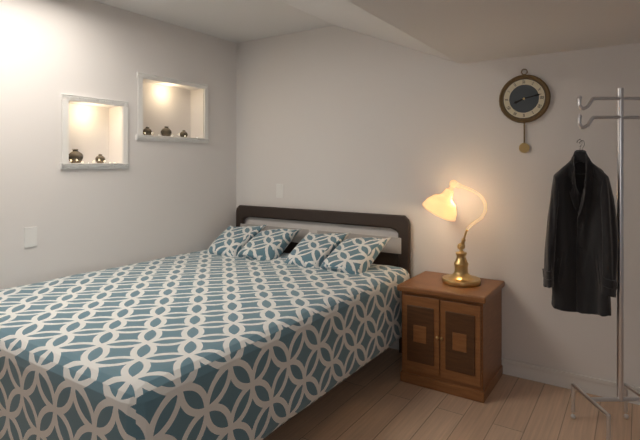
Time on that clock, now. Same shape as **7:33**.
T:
**8:13**
